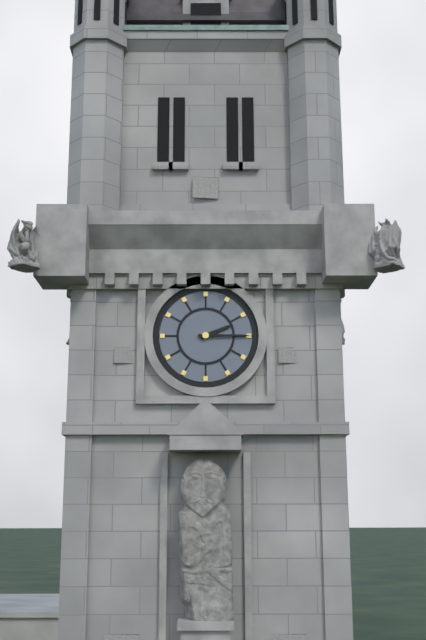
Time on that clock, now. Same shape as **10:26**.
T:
**2:15**
